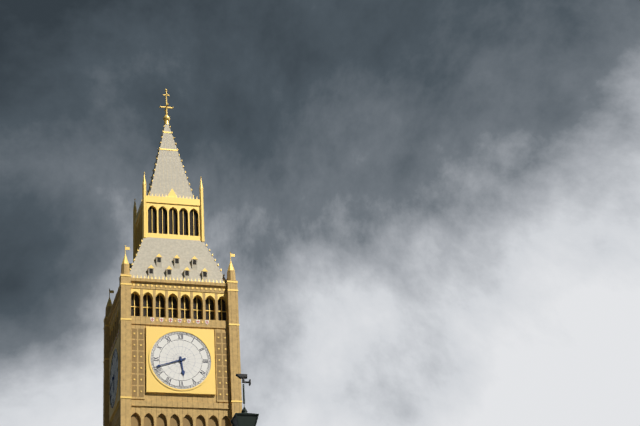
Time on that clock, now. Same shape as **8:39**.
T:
**5:42**
